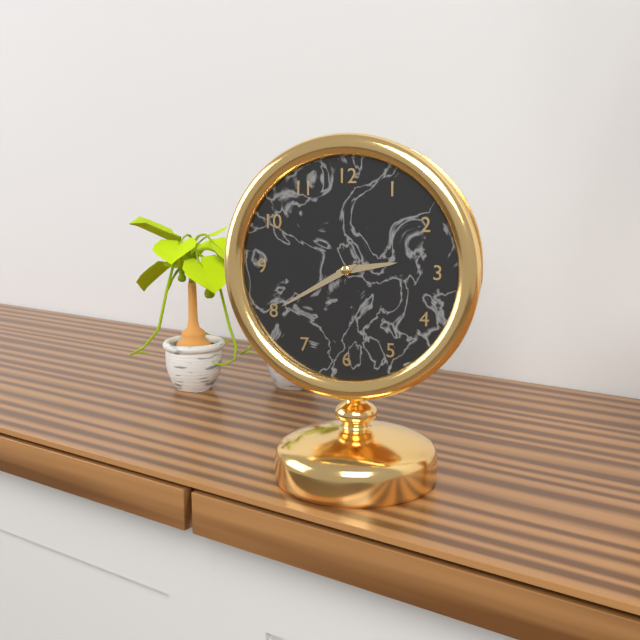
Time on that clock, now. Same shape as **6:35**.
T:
**2:40**
